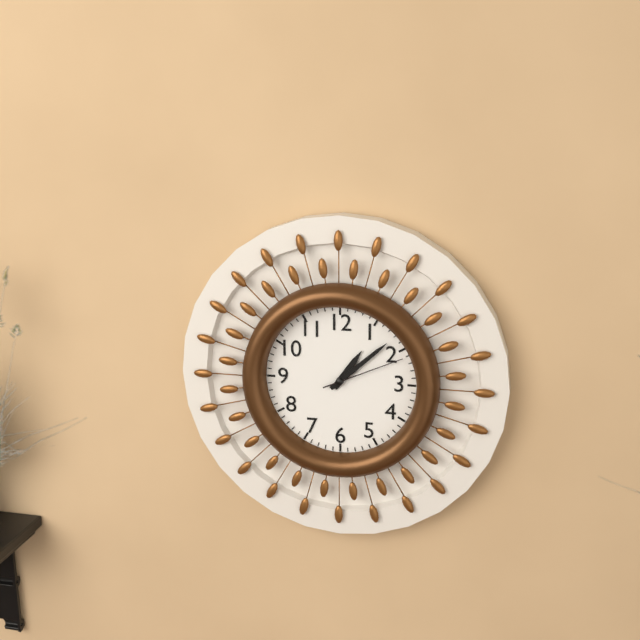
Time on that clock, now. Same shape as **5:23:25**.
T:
**1:08:11**
